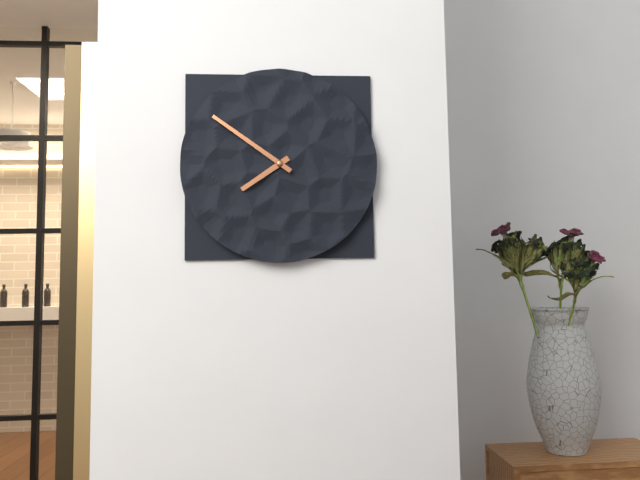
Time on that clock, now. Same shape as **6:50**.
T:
**7:51**
